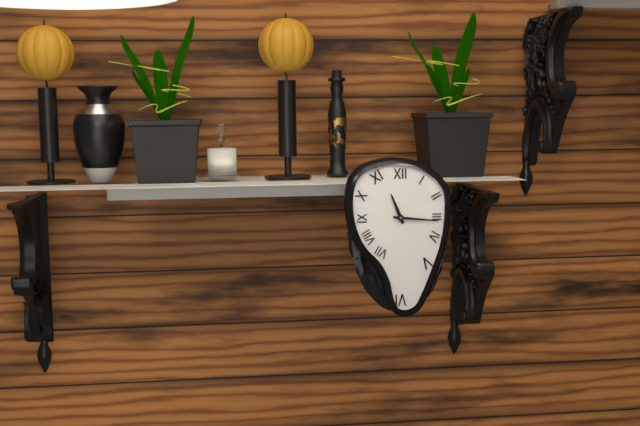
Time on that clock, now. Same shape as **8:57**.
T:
**11:16**
